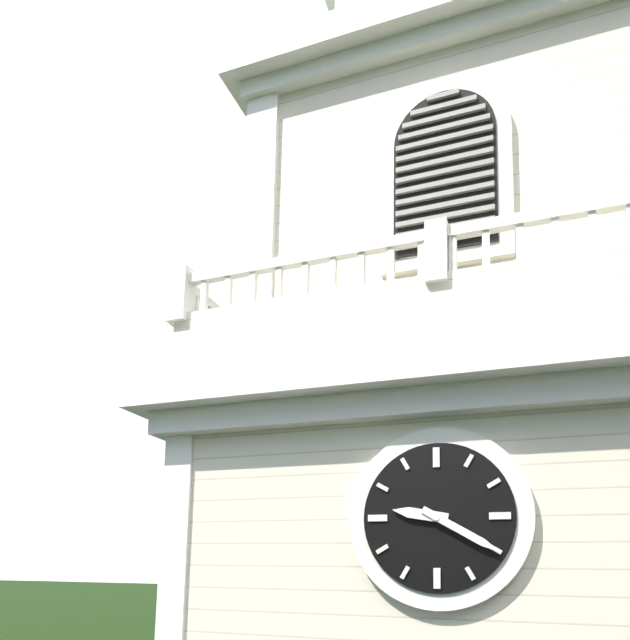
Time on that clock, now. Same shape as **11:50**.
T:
**9:20**
